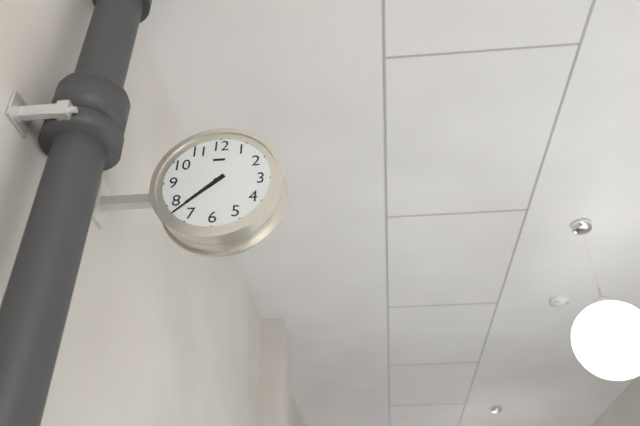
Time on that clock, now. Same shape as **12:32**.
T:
**7:38**
